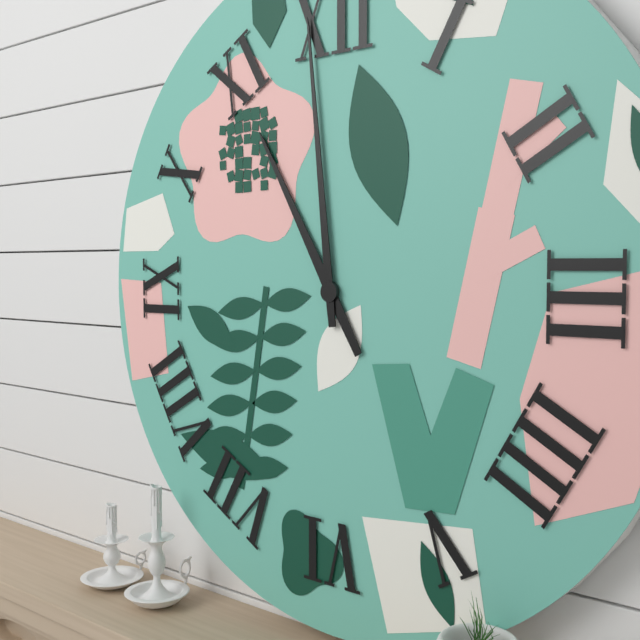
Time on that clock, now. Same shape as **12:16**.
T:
**10:59**
